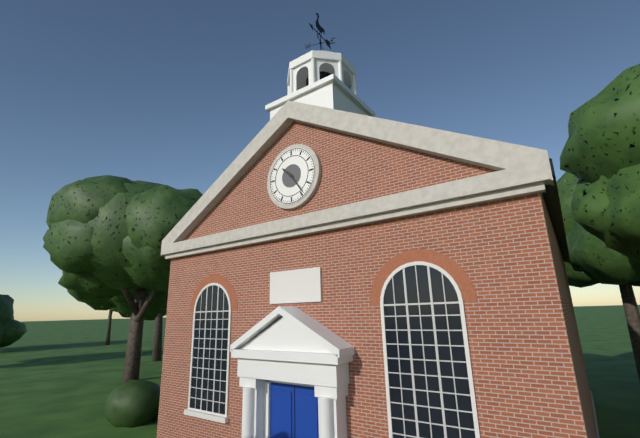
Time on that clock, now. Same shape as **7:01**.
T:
**10:24**
